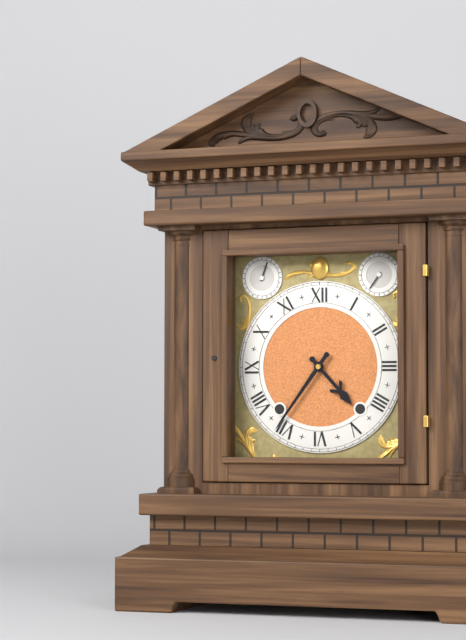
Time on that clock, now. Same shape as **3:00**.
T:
**4:36**
